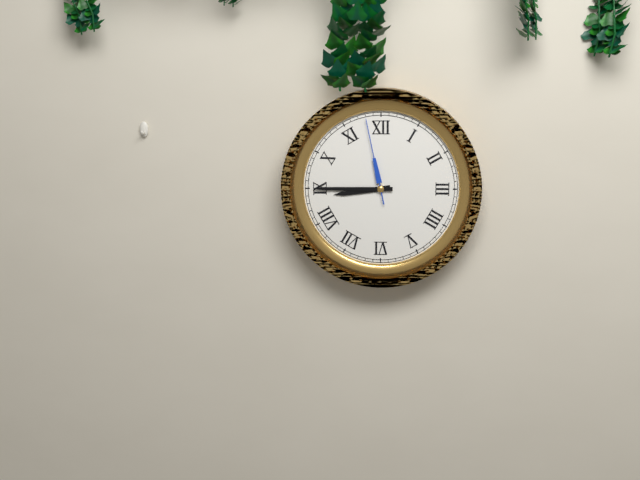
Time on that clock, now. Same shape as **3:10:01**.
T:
**8:45:58**
